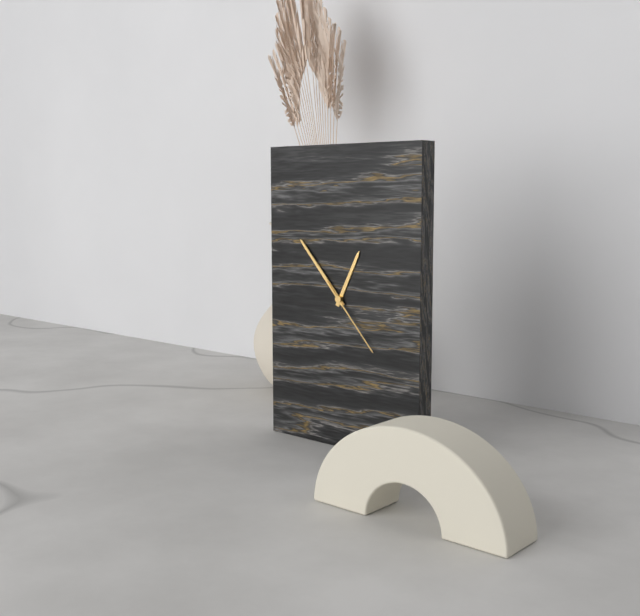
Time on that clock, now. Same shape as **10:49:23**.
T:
**12:53:23**
